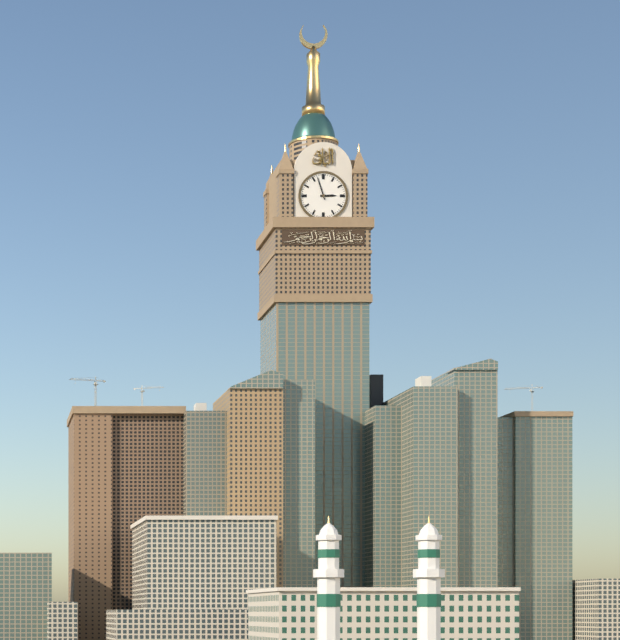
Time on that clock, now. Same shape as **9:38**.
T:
**2:57**
